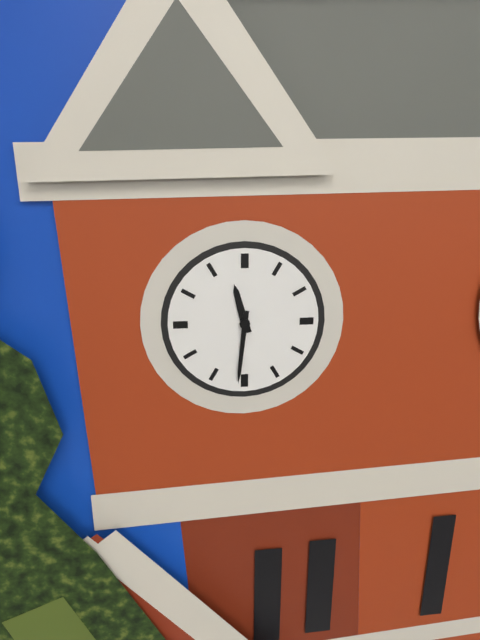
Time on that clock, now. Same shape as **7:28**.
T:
**11:31**
